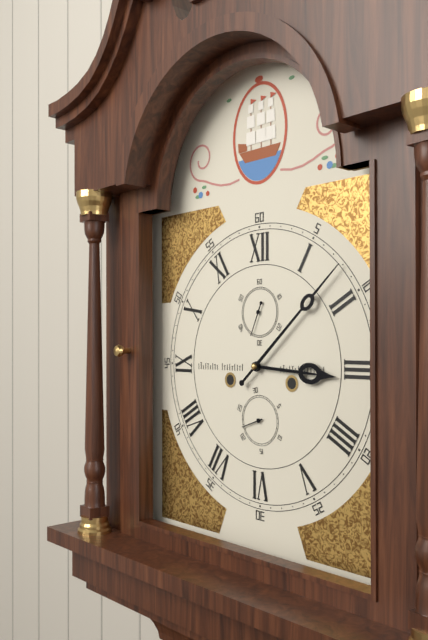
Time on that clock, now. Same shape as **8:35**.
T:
**3:08**
